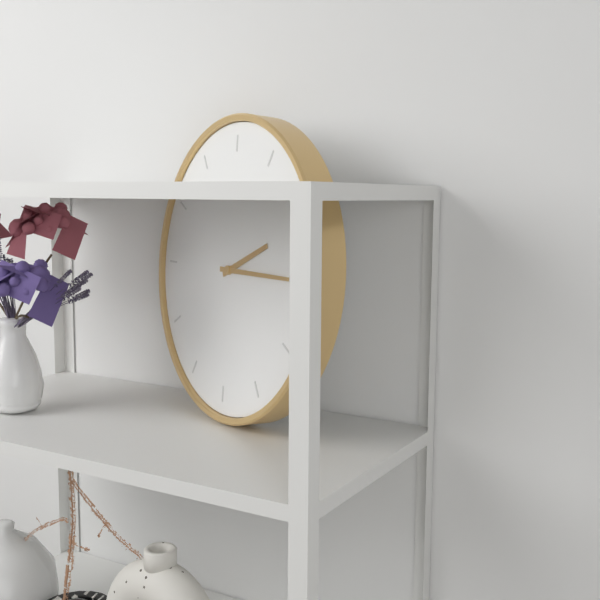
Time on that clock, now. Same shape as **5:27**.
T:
**2:15**
